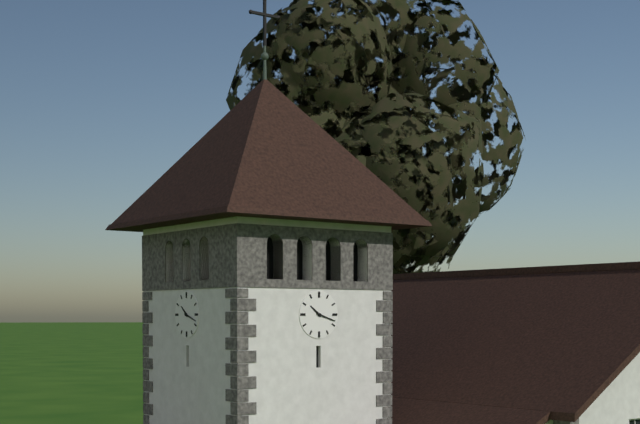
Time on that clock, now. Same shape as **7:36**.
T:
**10:18**
